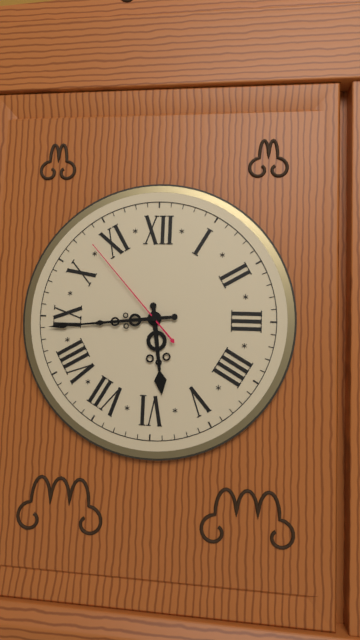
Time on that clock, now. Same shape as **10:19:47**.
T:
**5:44:53**
